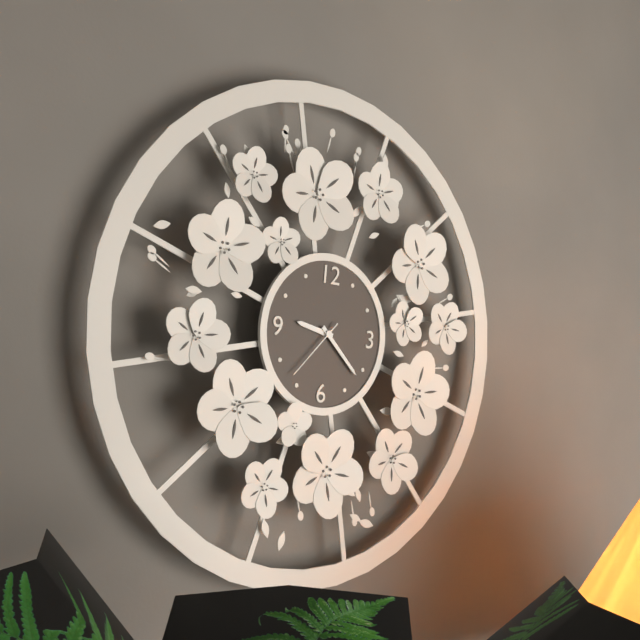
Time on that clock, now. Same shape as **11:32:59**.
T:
**9:22:37**
